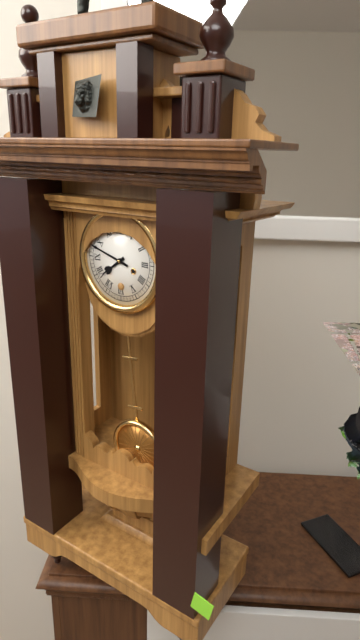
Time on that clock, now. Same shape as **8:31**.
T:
**7:48**
